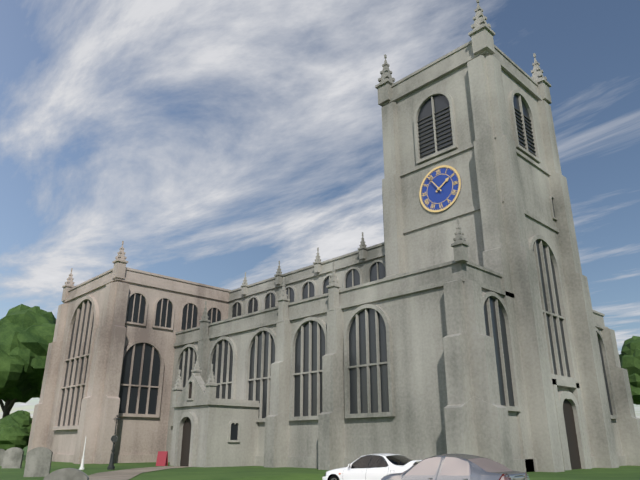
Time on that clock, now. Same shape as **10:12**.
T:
**1:54**
